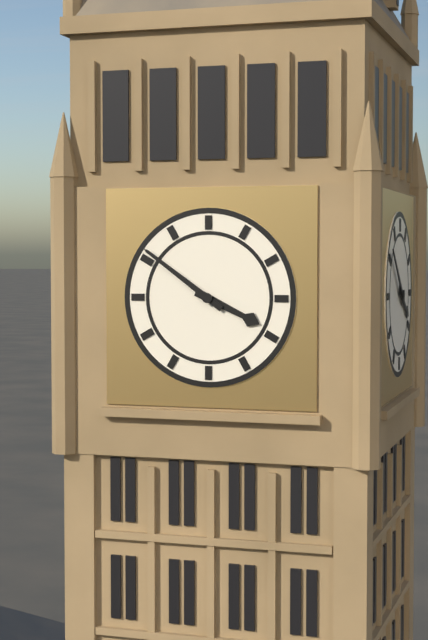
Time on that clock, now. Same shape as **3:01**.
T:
**3:51**
